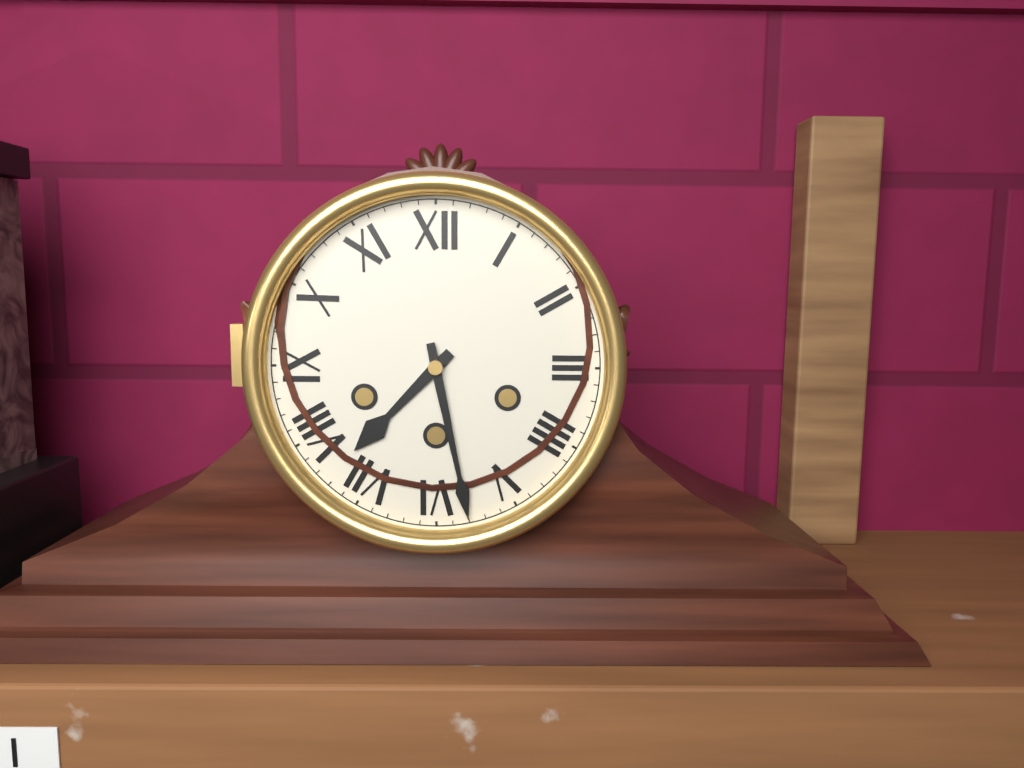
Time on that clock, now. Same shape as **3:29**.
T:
**7:28**
